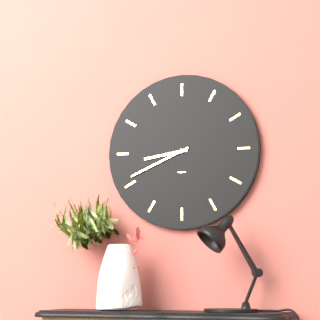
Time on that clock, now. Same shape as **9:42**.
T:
**8:41**
